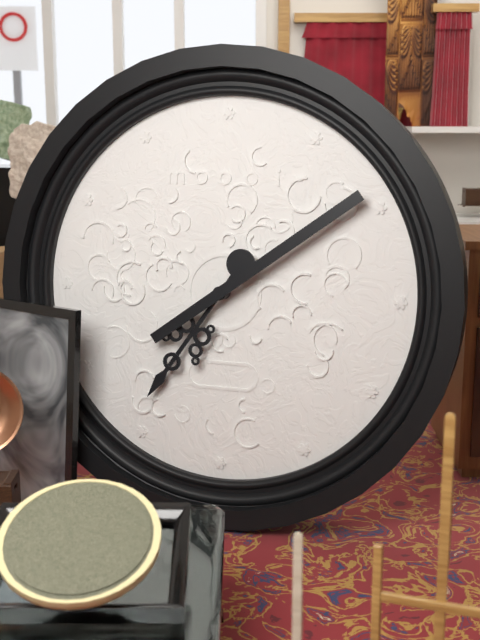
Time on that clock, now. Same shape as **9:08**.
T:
**7:09**
